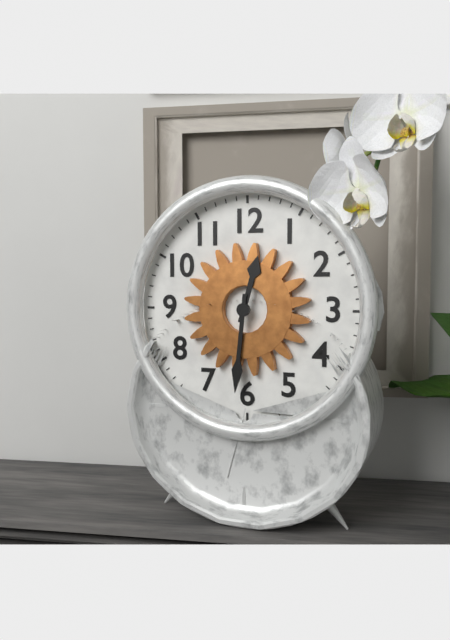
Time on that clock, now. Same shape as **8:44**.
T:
**12:31**
